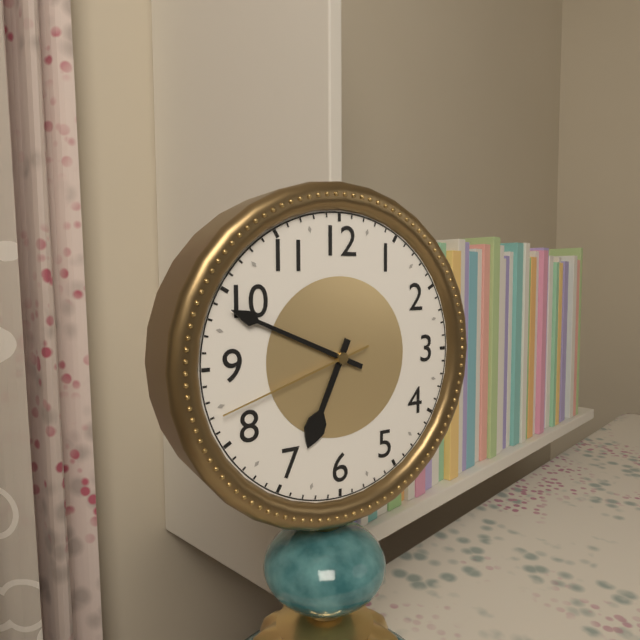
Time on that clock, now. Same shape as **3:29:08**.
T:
**6:49:42**
